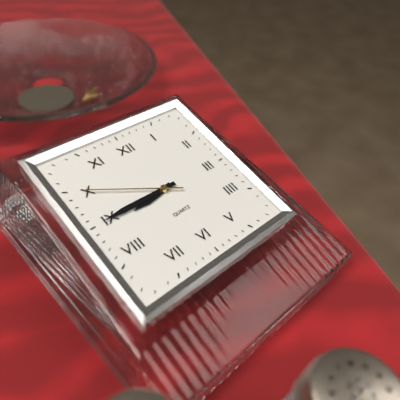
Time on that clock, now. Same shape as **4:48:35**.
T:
**8:45:50**
